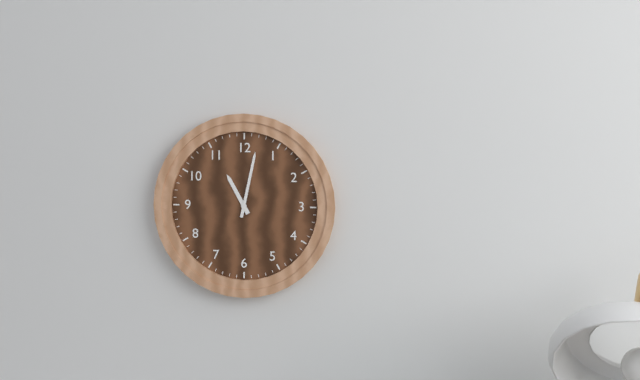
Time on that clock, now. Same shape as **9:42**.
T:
**11:02**
